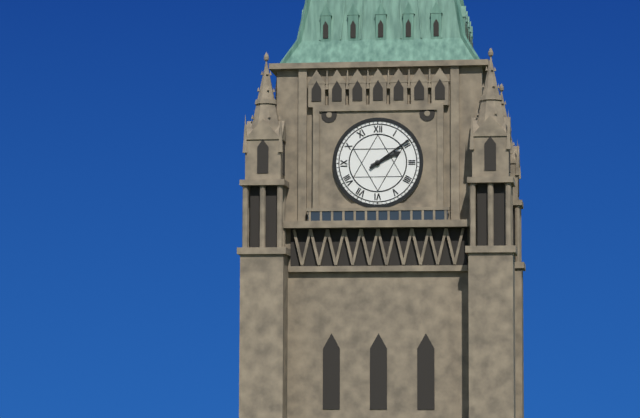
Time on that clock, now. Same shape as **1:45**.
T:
**2:09**
